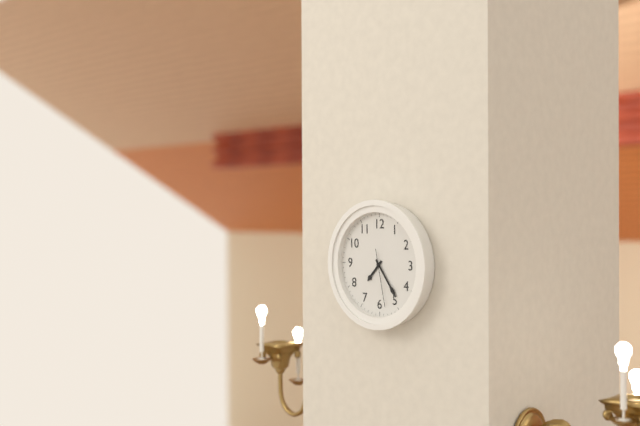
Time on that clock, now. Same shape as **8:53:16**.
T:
**7:24:28**
